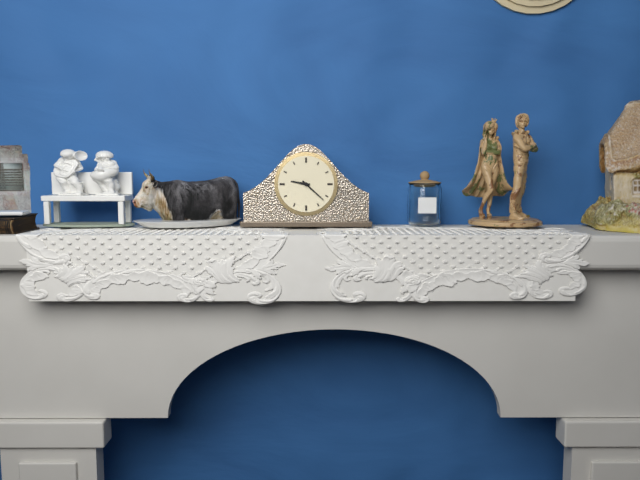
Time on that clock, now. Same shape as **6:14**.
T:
**9:22**
